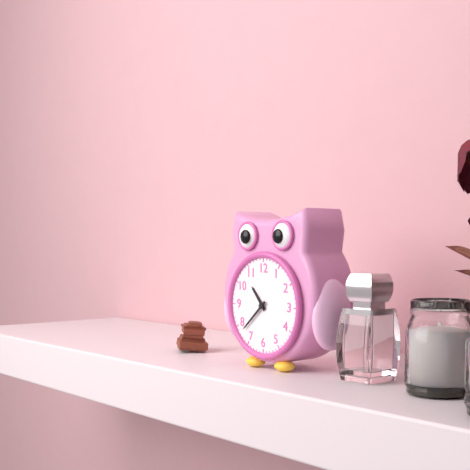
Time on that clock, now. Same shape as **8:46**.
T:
**10:38**
